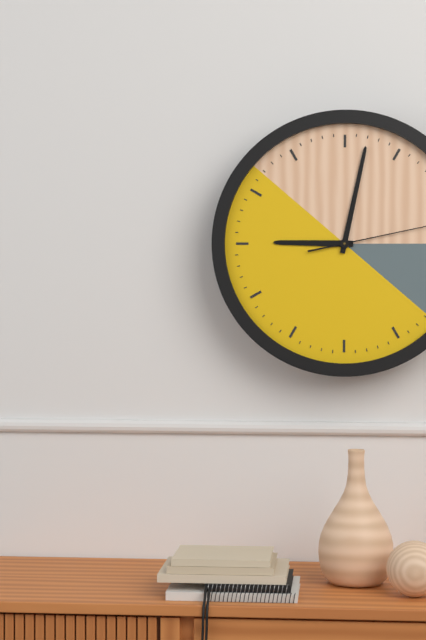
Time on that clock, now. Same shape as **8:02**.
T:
**9:02**
